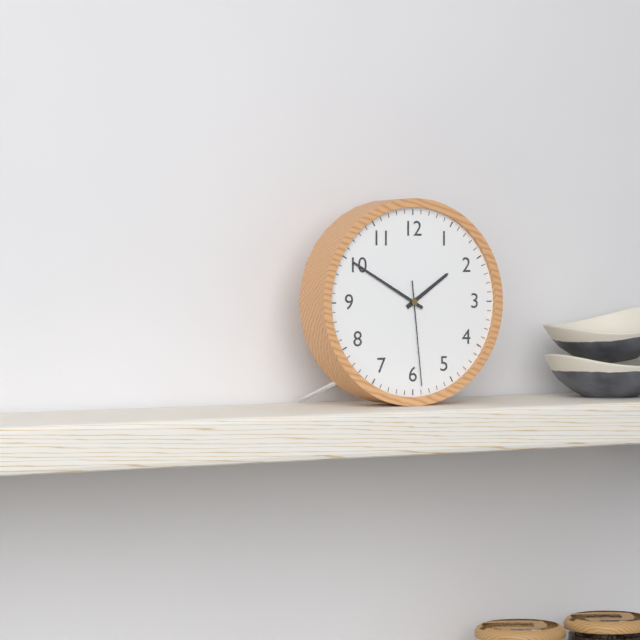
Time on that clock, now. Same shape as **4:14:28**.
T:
**1:50:29**
